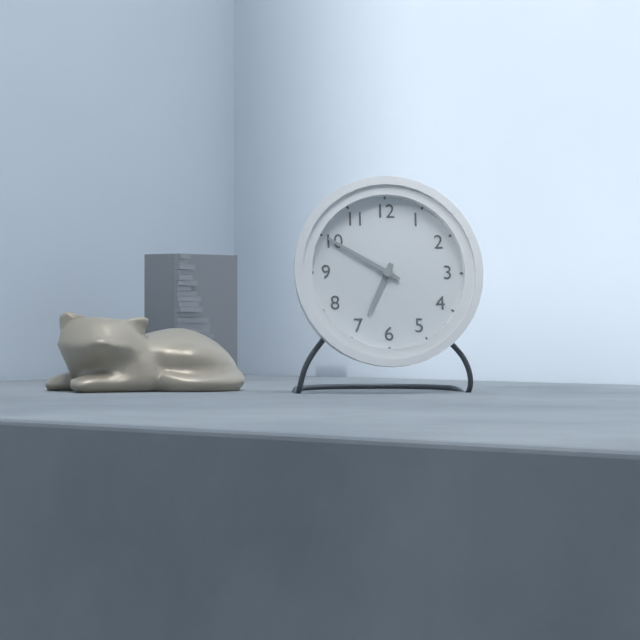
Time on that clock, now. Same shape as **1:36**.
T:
**6:50**
